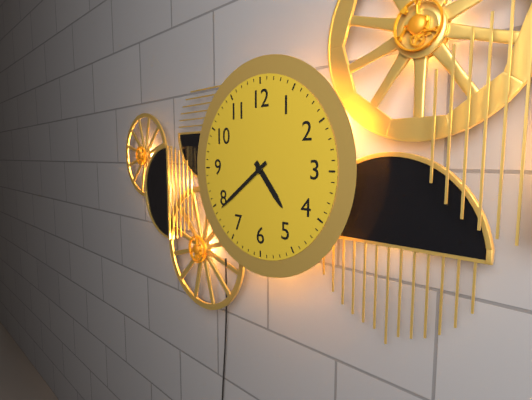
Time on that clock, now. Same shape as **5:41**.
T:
**4:39**
